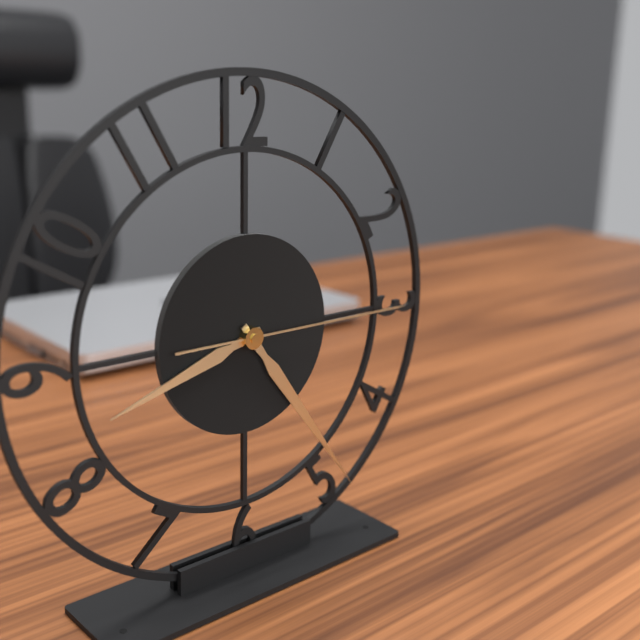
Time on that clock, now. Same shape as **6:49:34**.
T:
**8:24:15**
